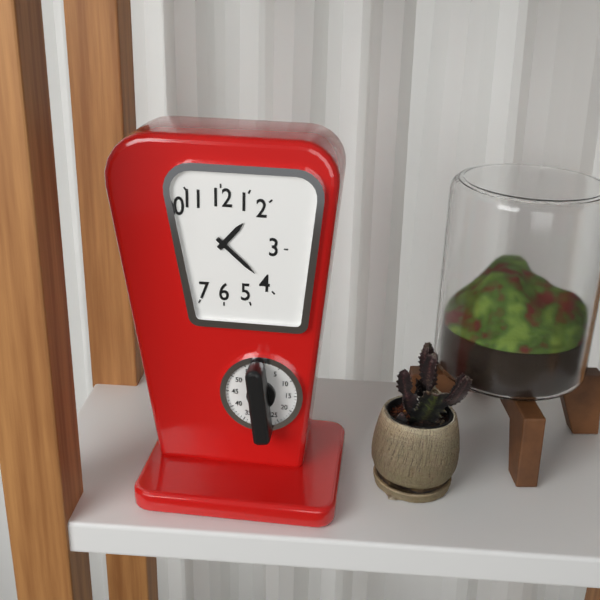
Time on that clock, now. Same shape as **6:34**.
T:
**1:22**
